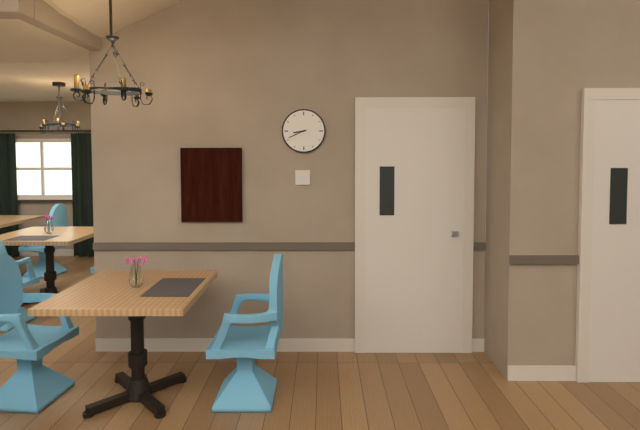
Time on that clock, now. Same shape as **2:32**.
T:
**8:41**
